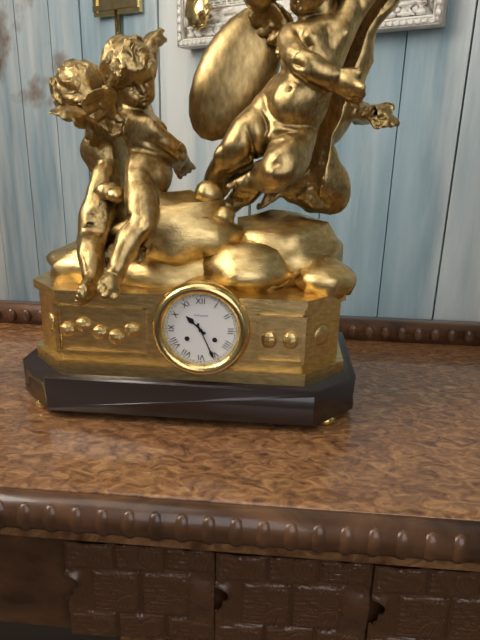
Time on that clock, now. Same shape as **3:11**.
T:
**10:26**
